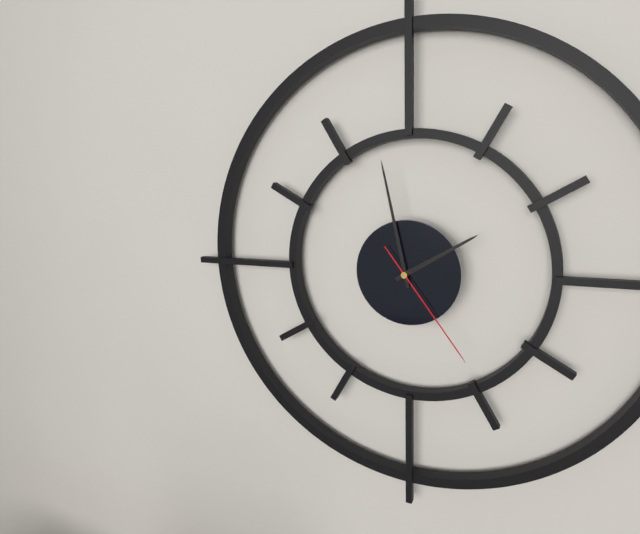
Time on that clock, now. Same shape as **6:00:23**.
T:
**1:58:24**
